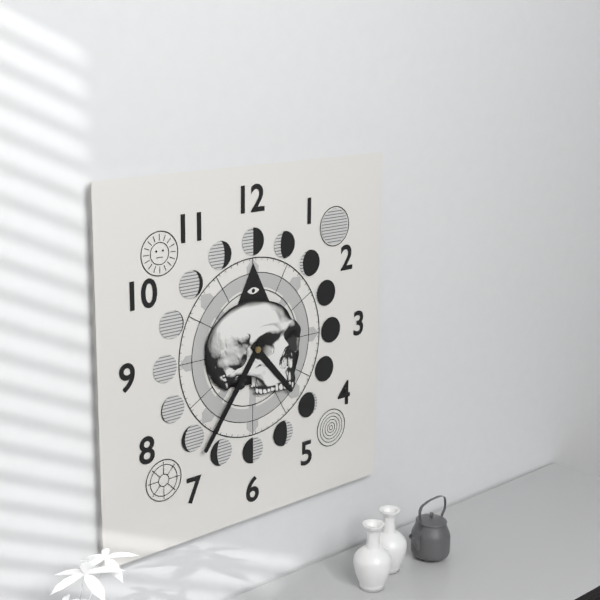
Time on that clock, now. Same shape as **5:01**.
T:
**4:36**
